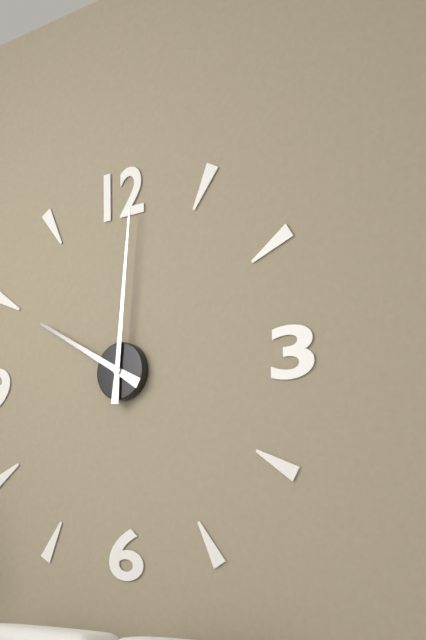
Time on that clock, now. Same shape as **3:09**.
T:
**10:01**
